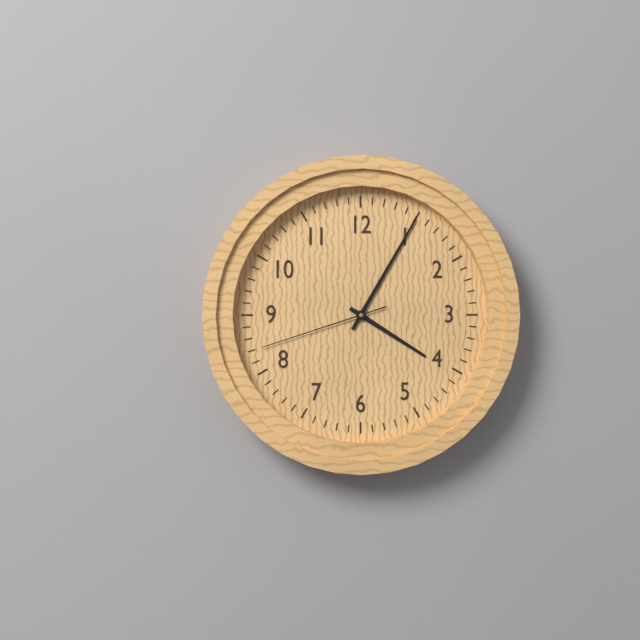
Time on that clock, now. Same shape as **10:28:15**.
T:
**4:05:42**
